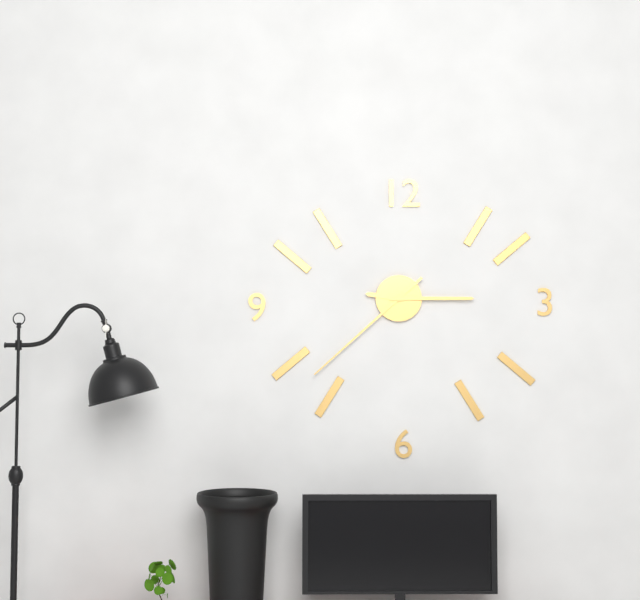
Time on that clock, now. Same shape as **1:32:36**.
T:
**9:15:38**
